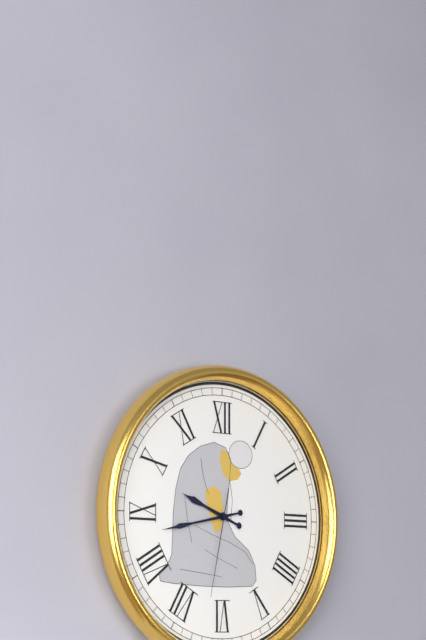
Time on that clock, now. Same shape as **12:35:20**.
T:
**9:43:32**
